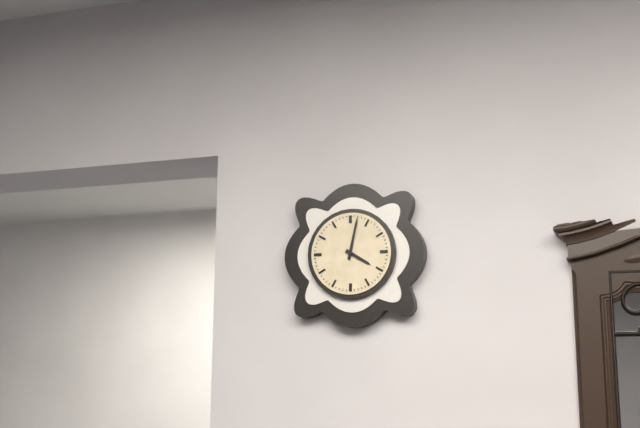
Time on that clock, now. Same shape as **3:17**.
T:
**4:02**
